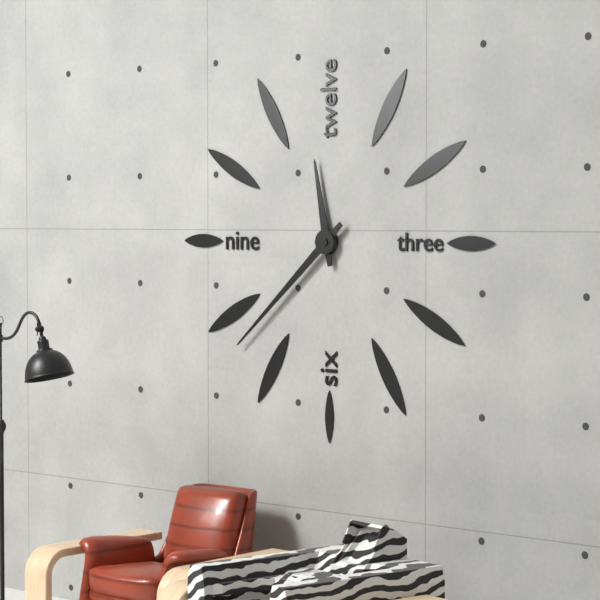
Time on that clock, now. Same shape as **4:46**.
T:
**11:38**
